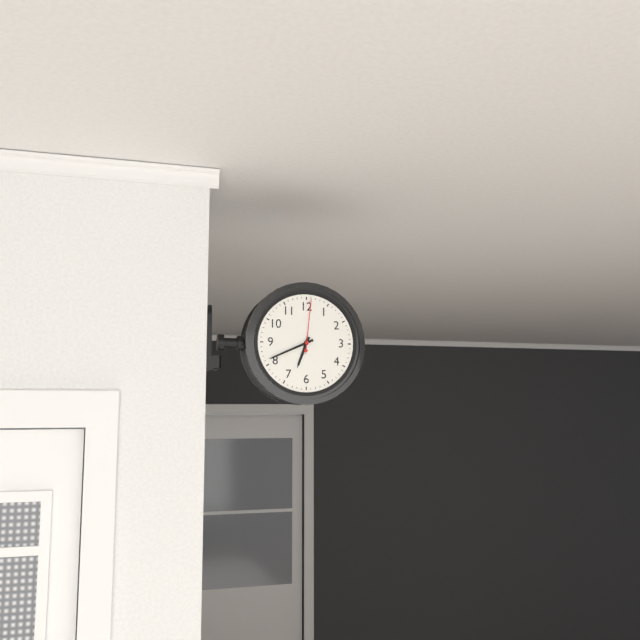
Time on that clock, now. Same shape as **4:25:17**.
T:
**6:41:01**
